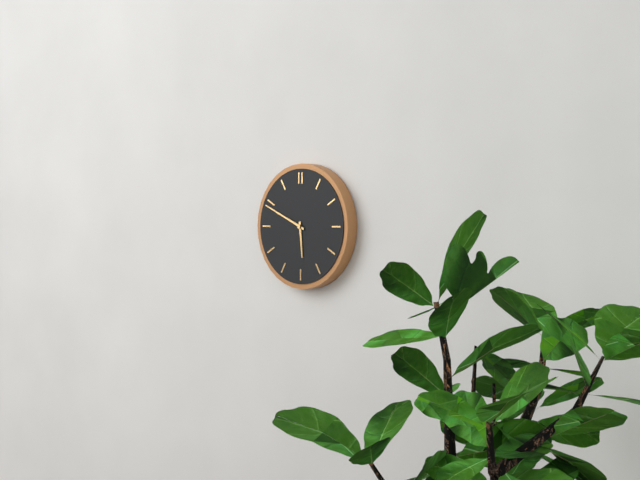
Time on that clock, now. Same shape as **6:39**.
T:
**5:49**
